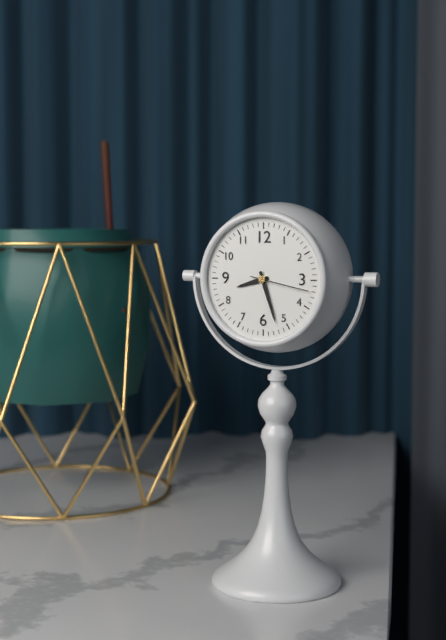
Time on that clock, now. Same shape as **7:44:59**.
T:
**8:27:17**
